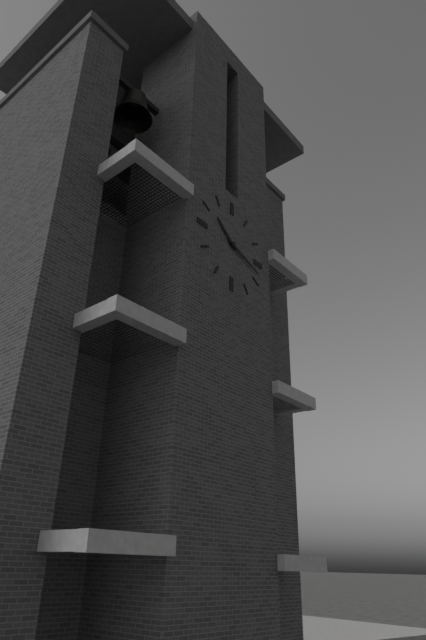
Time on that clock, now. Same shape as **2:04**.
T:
**10:18**
